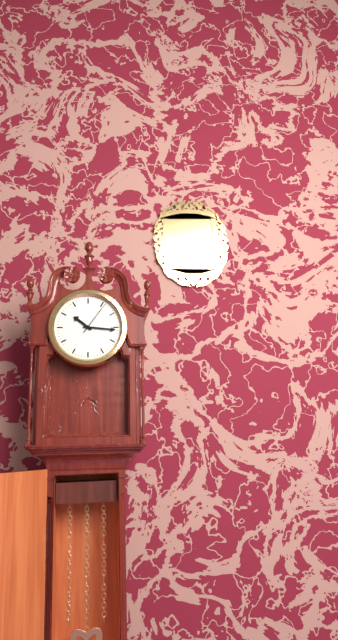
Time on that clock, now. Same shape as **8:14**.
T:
**10:16**
